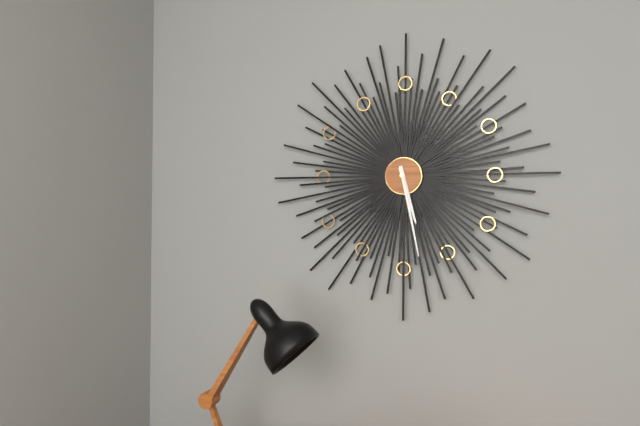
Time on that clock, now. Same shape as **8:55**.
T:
**5:28**
